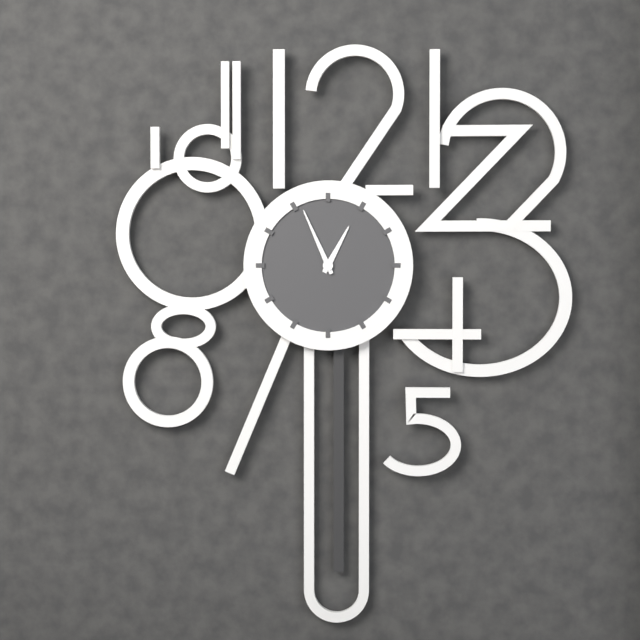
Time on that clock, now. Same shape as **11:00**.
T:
**12:56**
